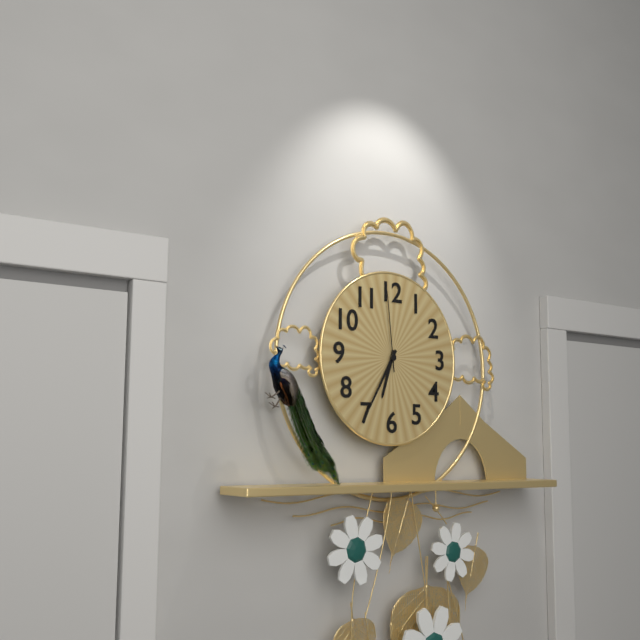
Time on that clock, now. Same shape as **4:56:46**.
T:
**6:35:59**
